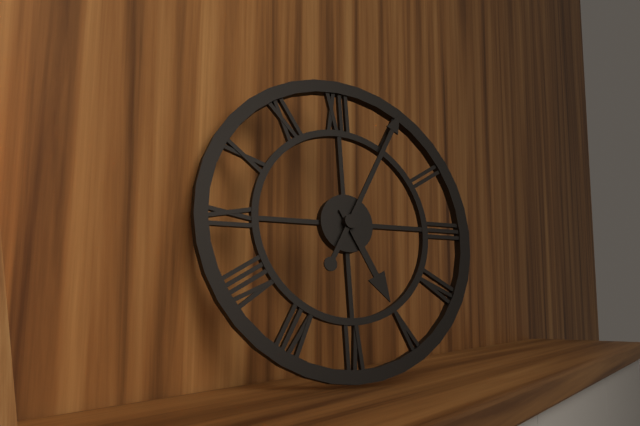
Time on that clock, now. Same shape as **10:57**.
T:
**5:05**
